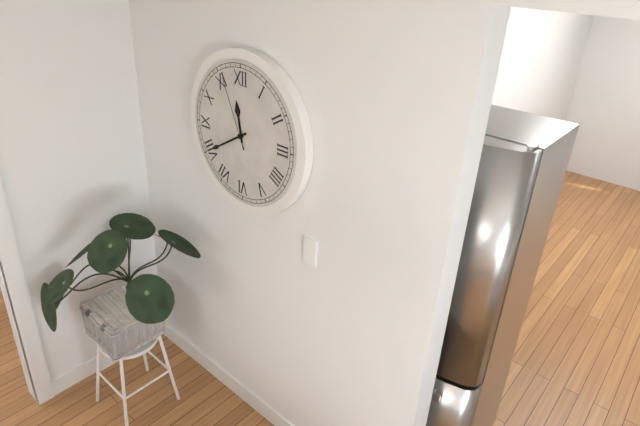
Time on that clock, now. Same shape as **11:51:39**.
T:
**11:40:56**
